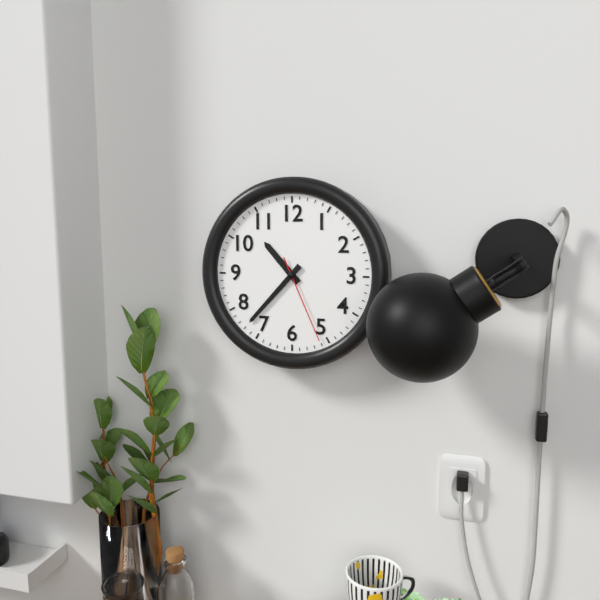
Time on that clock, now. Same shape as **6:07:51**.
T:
**10:37:26**
